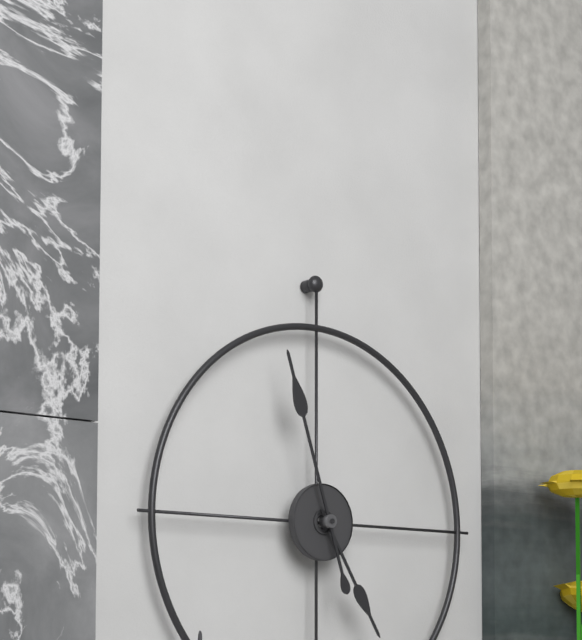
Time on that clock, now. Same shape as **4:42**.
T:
**4:57**
